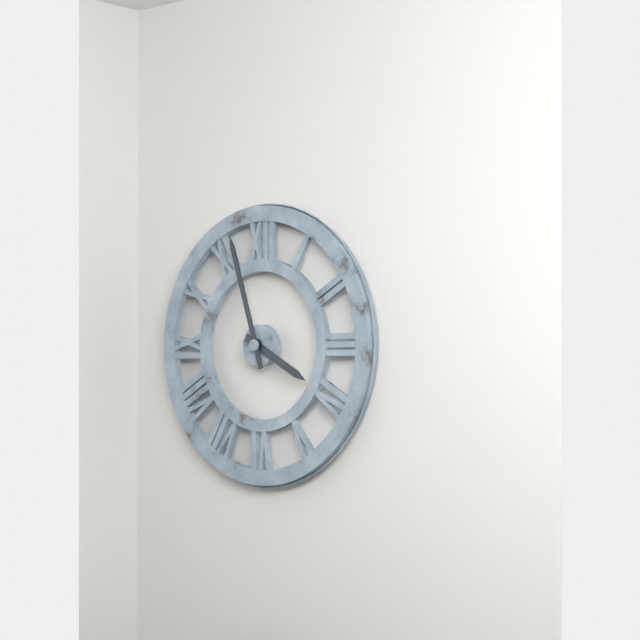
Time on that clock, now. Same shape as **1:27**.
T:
**3:57**
